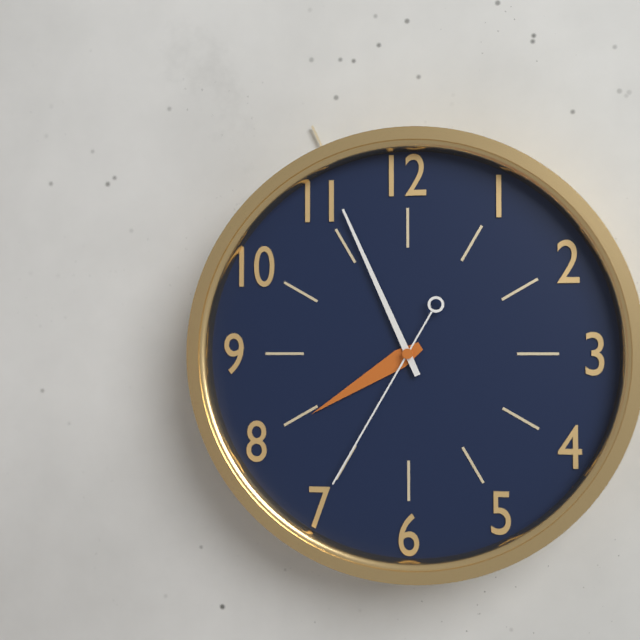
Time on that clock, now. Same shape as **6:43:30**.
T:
**7:56:35**
